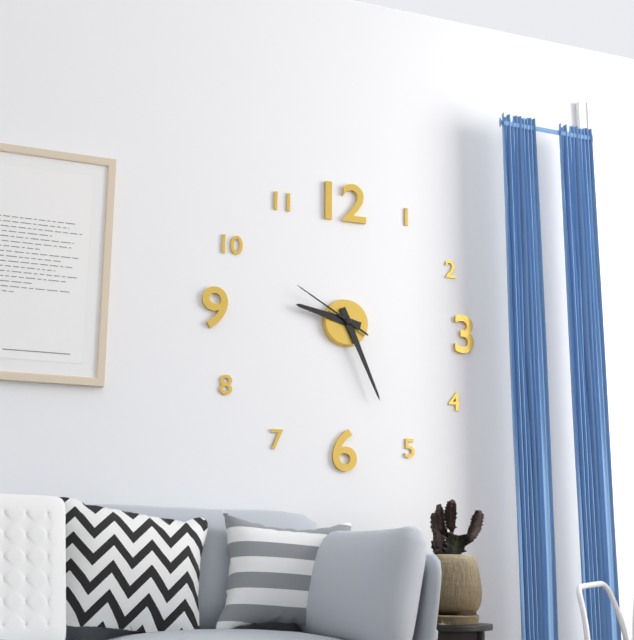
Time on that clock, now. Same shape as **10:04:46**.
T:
**9:26:50**
